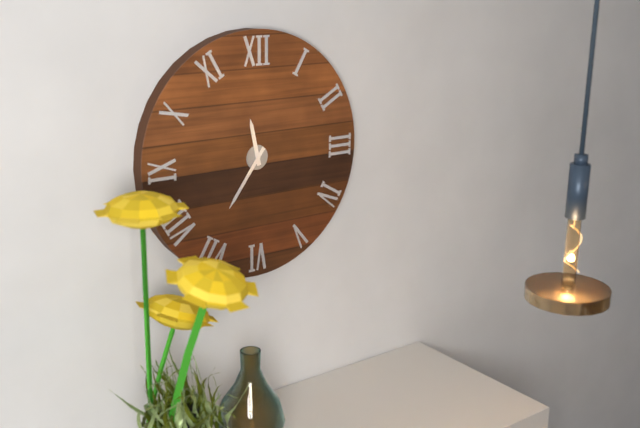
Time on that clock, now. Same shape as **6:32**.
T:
**11:36**
